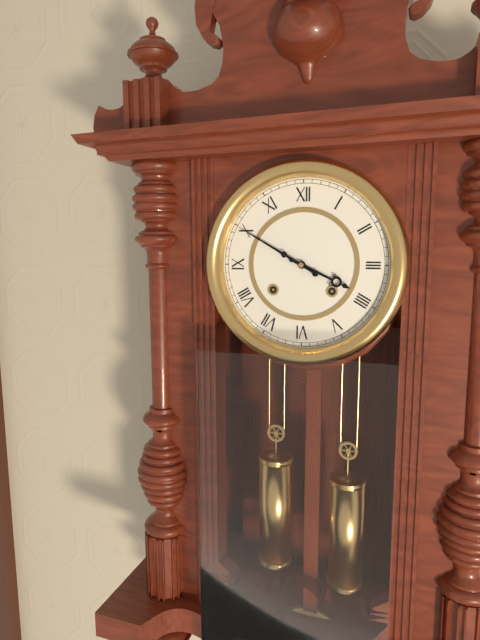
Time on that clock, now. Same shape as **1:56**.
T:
**3:50**
